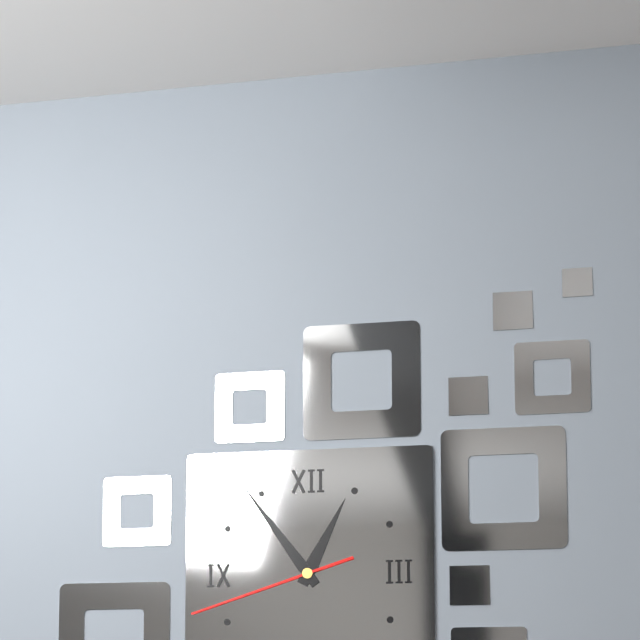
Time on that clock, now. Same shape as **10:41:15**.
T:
**12:54:42**
